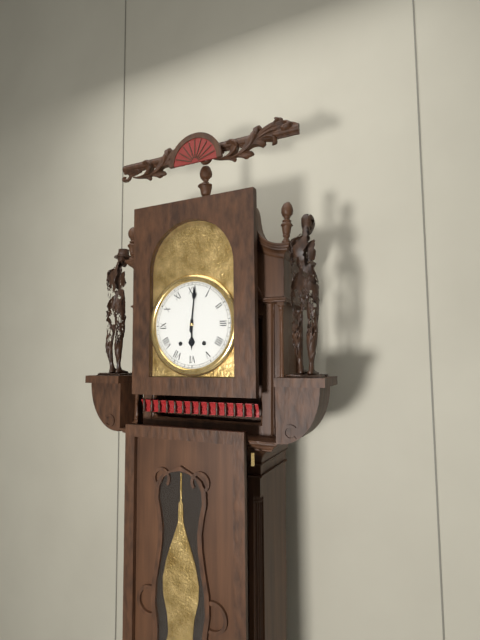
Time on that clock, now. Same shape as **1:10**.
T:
**6:01**
